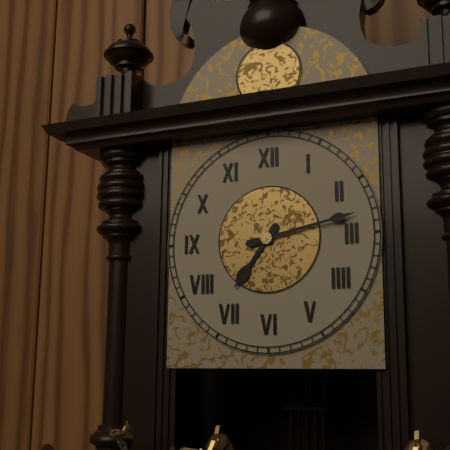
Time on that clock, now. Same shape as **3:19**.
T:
**7:13**
